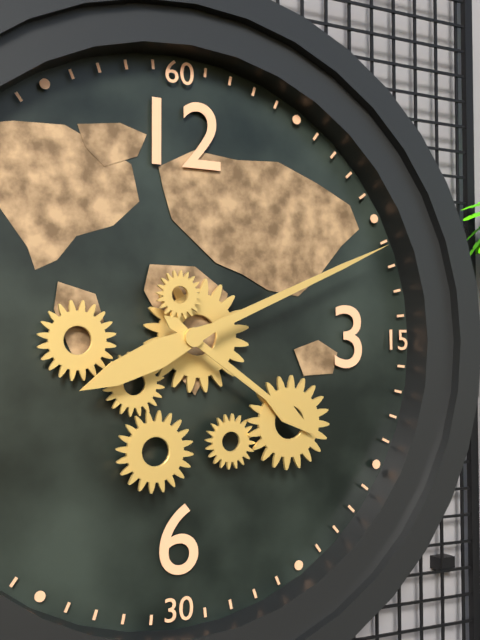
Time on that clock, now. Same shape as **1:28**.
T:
**4:11**
